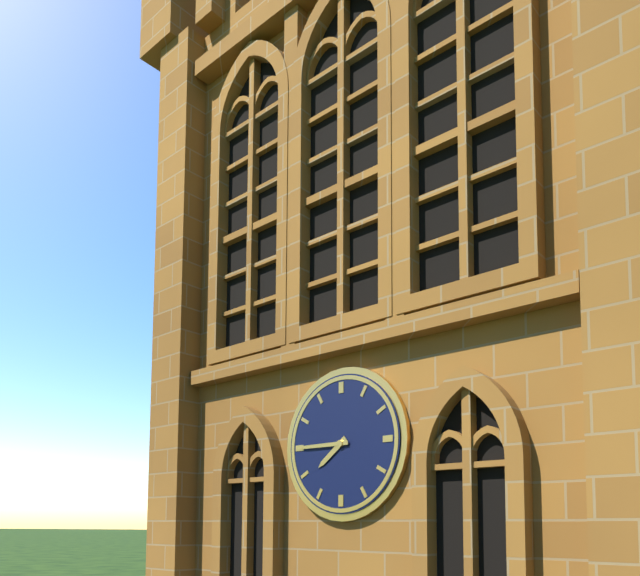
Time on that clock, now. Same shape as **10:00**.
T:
**7:45**
